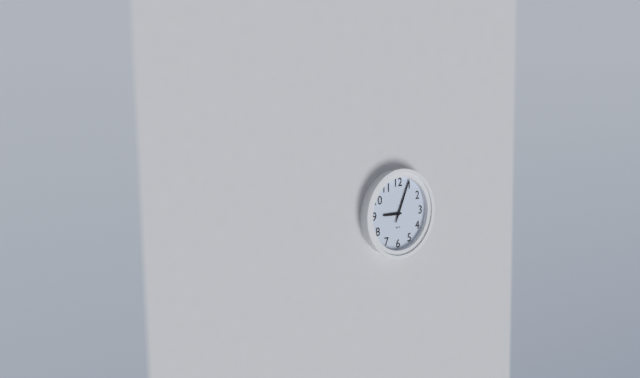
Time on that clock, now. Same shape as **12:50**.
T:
**9:04**
